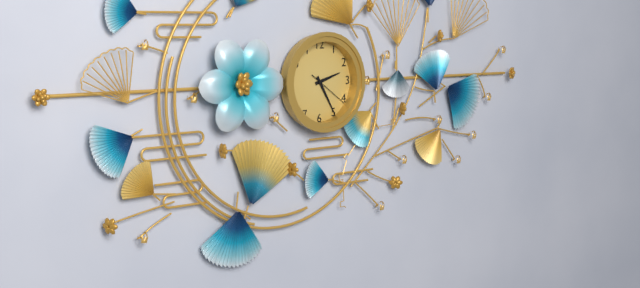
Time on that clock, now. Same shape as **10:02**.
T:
**2:25**
